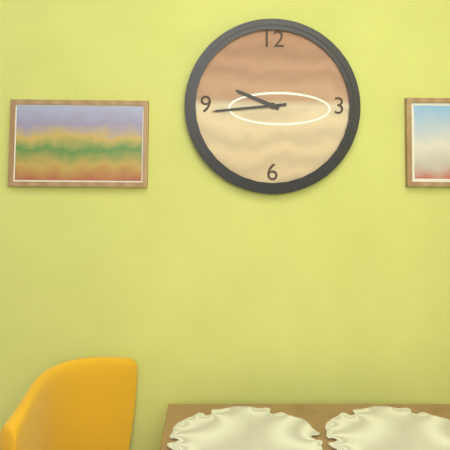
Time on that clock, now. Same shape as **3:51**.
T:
**9:44**
